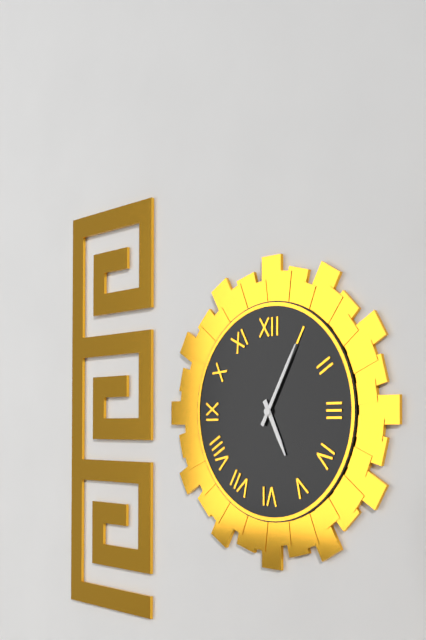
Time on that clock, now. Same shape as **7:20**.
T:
**5:05**
